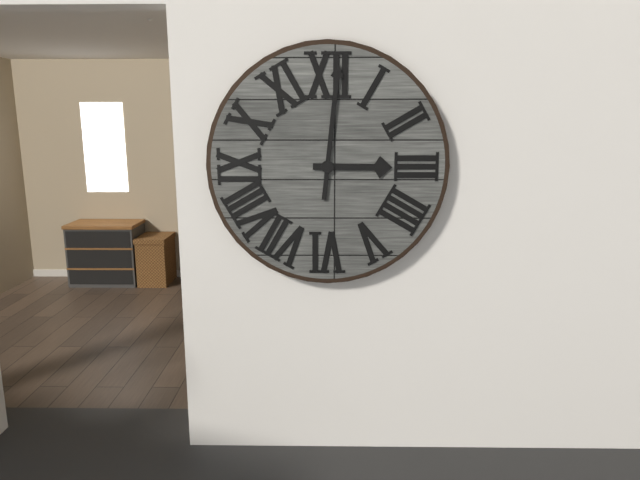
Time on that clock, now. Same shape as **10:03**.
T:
**3:01**
